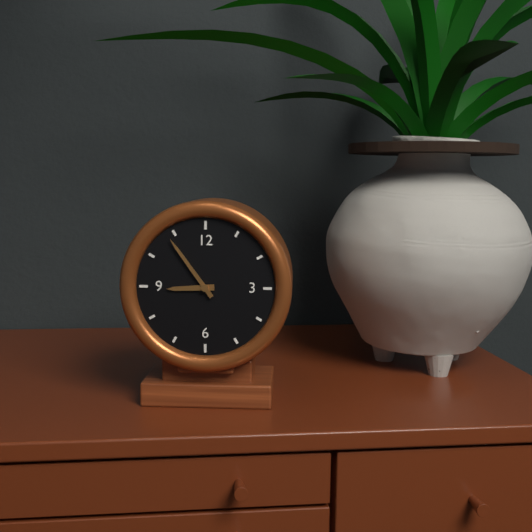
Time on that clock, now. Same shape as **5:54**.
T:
**8:54**
